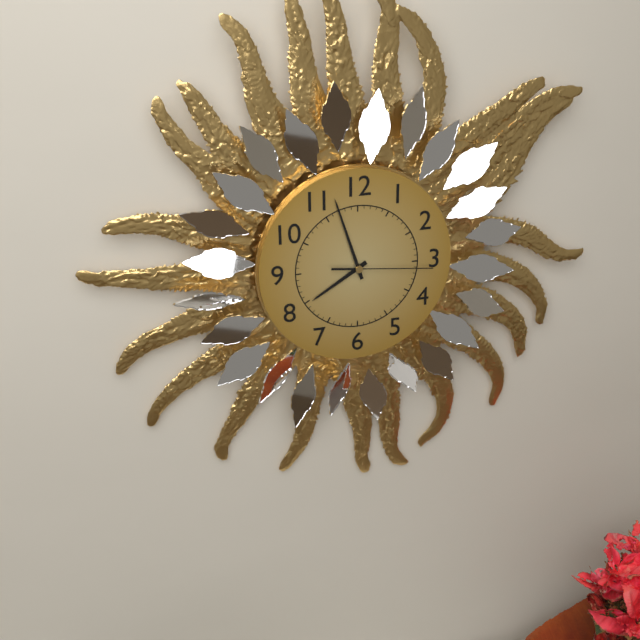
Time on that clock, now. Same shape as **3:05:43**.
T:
**7:57:16**
